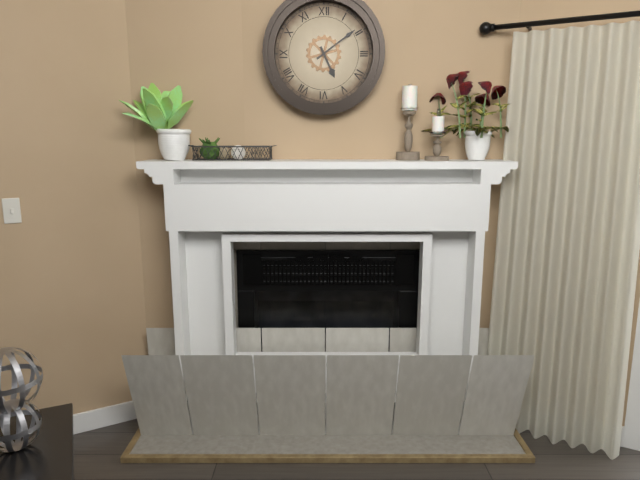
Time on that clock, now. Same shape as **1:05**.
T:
**5:09**
